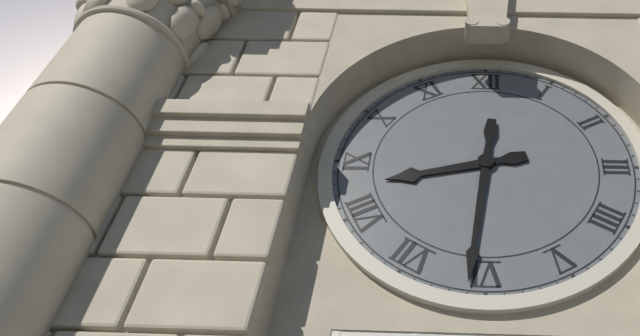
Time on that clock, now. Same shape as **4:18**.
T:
**8:31**
